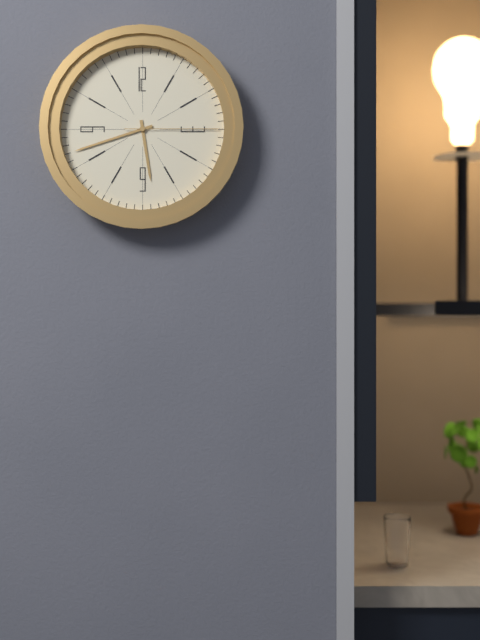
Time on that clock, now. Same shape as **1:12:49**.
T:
**5:42:15**
